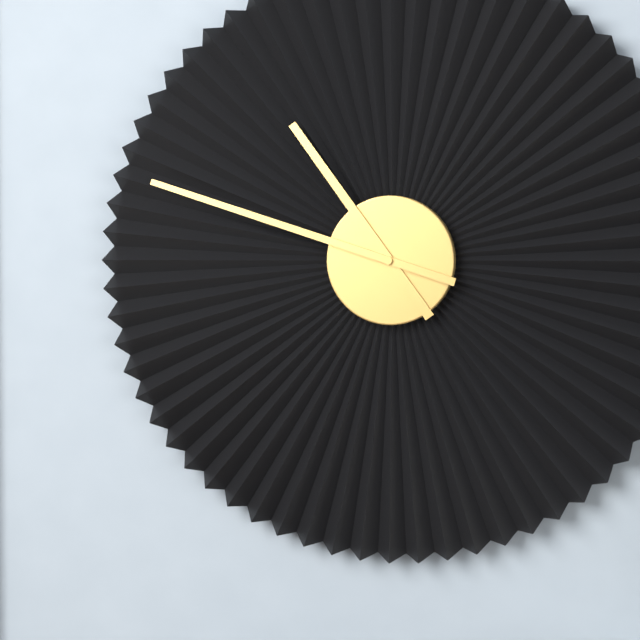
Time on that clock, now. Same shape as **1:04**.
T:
**10:48**
